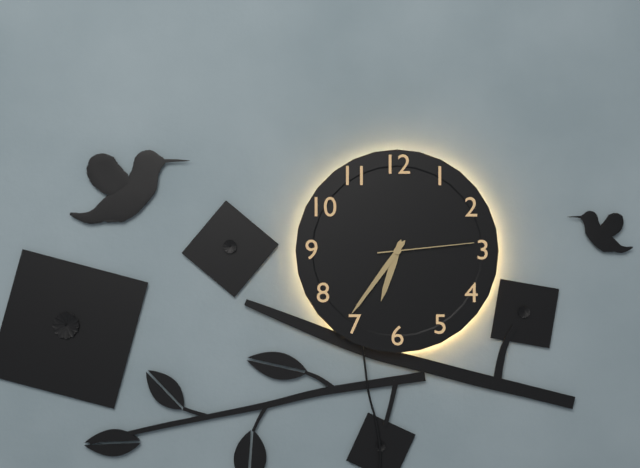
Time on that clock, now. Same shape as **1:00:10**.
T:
**6:36:14**
